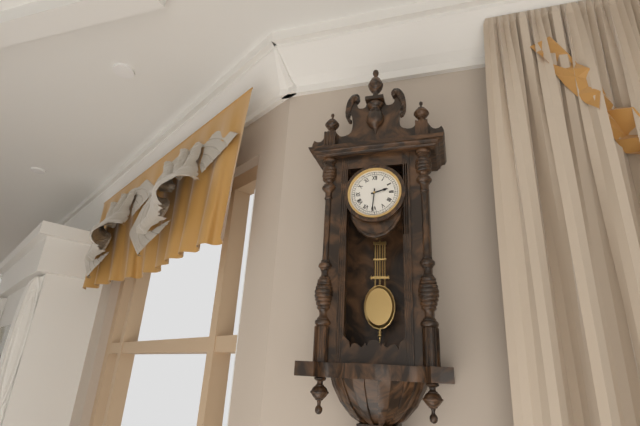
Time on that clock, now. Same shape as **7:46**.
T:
**2:31**
